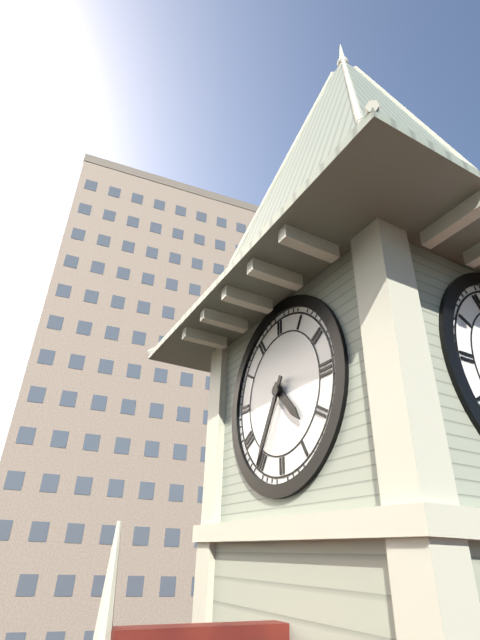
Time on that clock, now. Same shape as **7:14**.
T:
**4:35**
